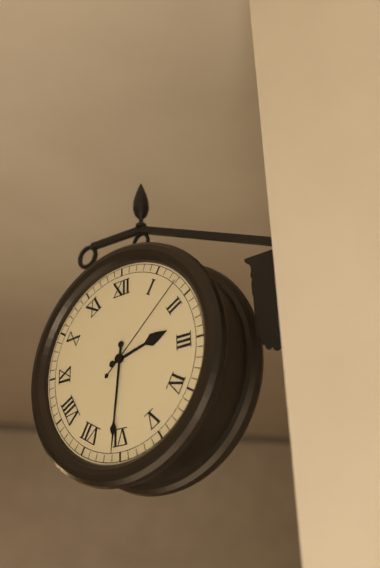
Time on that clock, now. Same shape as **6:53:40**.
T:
**2:31:08**
